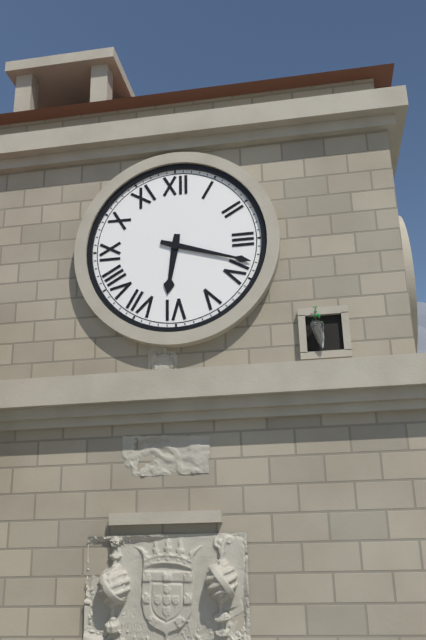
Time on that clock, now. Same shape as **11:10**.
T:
**6:18**
